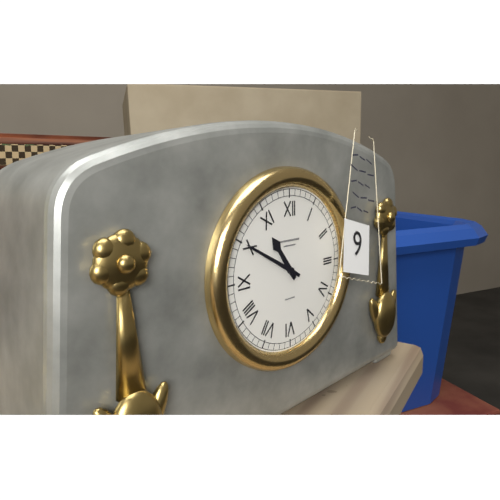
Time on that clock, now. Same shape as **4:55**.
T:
**10:50**
